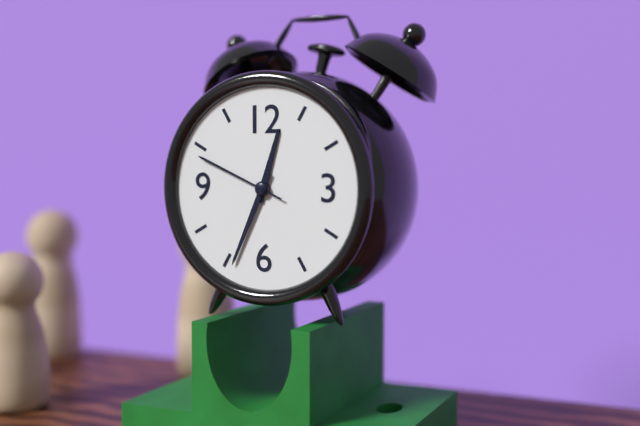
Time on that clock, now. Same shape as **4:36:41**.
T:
**12:34:49**
